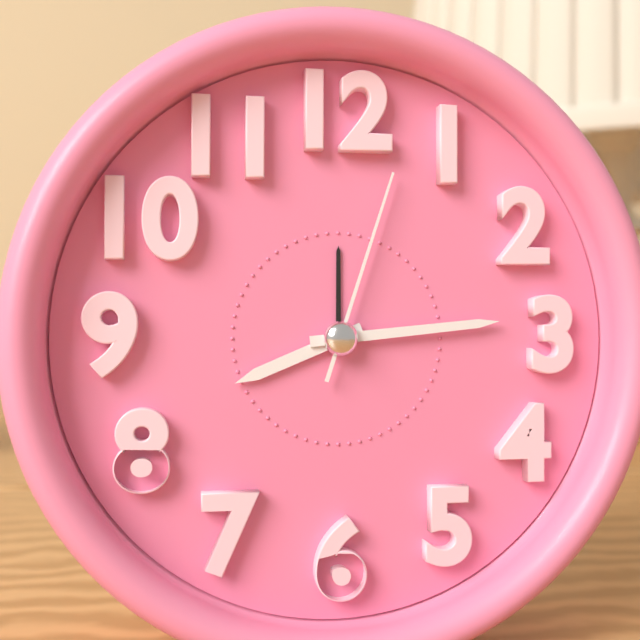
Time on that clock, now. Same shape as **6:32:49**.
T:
**8:14:03**
